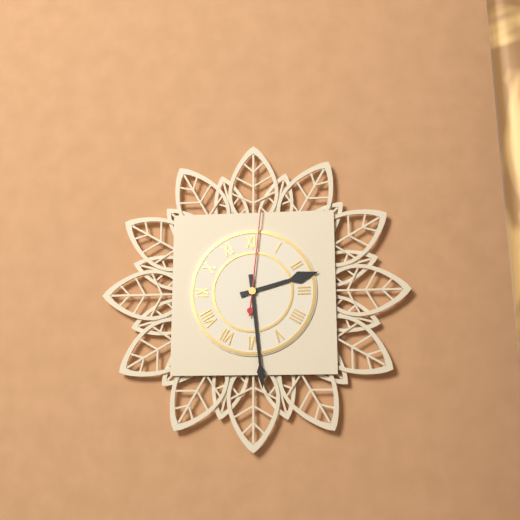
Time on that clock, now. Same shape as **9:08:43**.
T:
**2:29:01**
